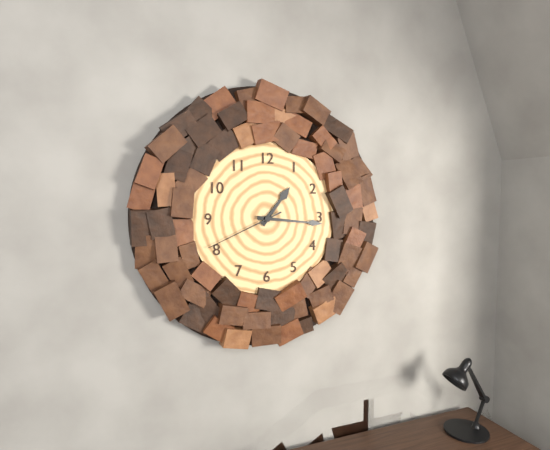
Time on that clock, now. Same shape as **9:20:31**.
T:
**1:16:41**
